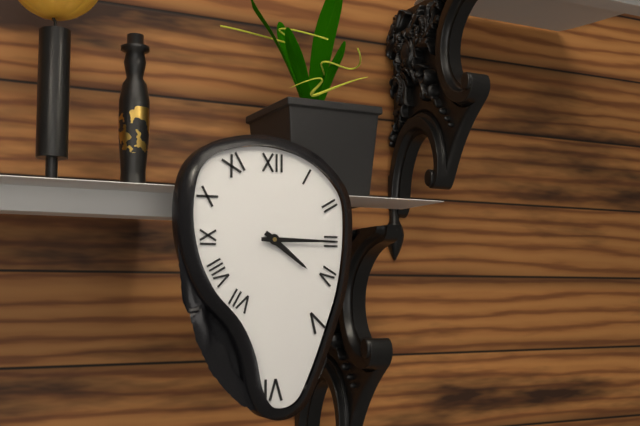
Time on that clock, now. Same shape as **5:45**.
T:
**4:15**
